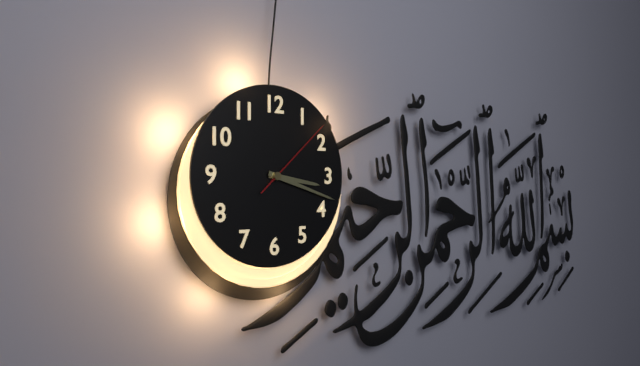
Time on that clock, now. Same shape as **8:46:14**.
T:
**3:18:08**
